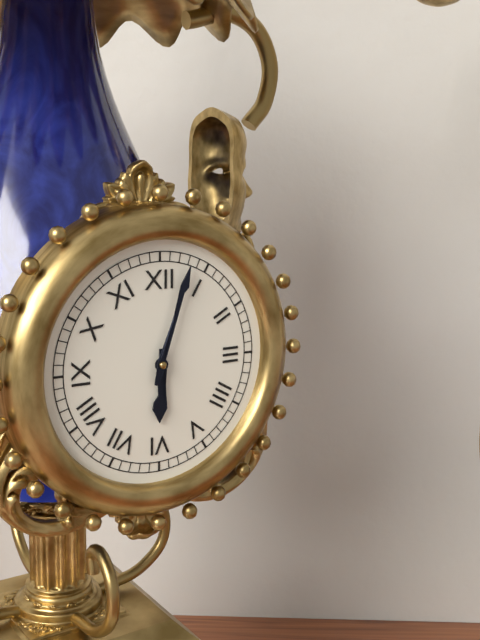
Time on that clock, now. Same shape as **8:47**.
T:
**6:03**
